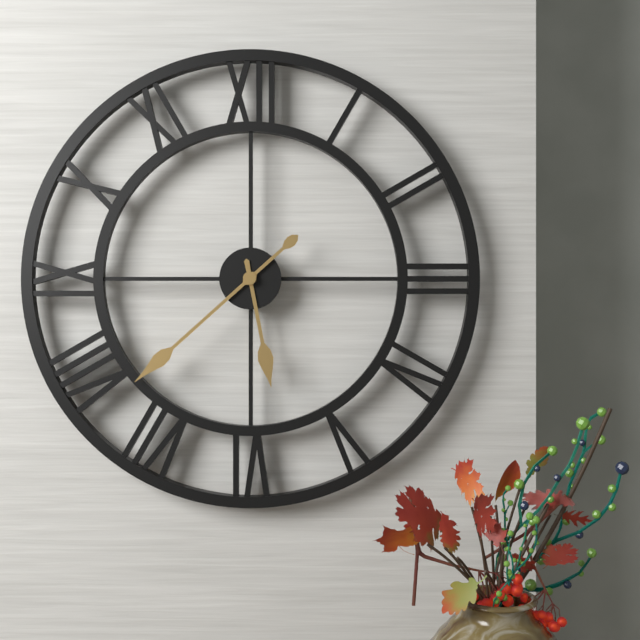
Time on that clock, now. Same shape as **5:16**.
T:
**5:38**
